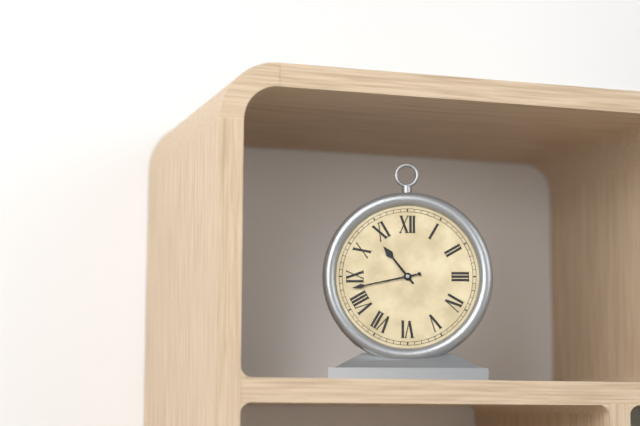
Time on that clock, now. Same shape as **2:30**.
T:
**10:43**
